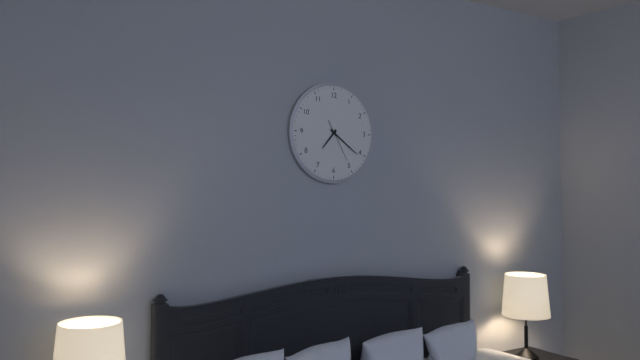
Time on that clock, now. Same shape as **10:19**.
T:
**7:21**
